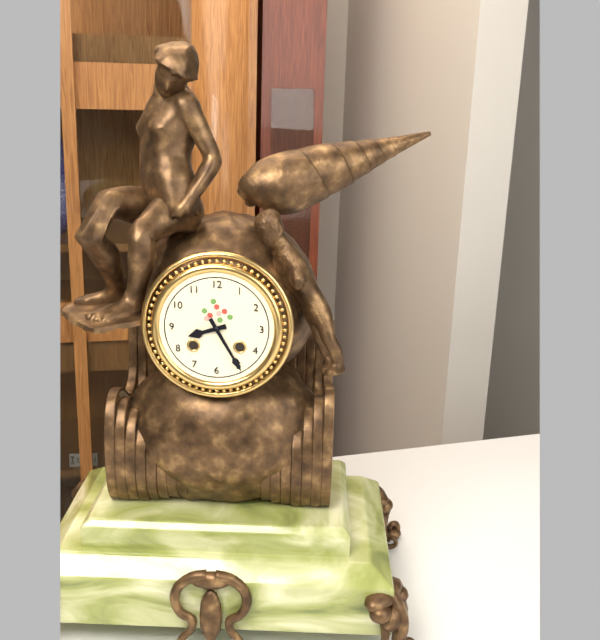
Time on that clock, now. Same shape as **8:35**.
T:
**8:25**
